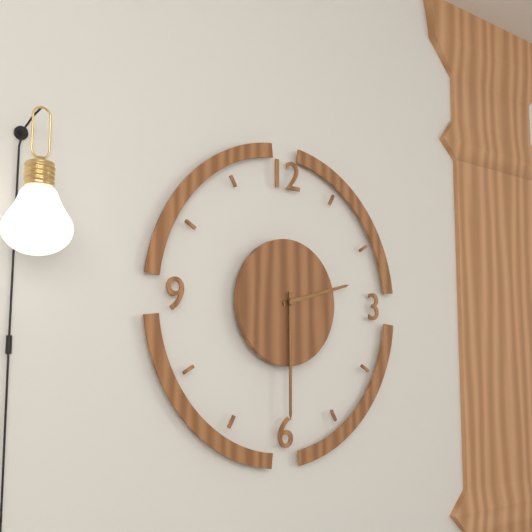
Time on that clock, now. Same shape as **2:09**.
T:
**2:30**
